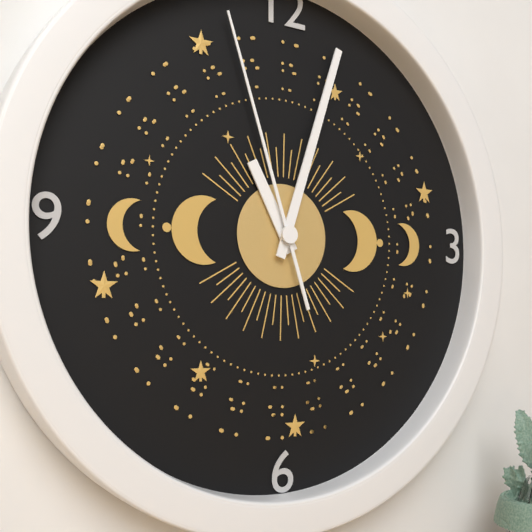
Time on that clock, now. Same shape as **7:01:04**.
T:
**11:03:57**
